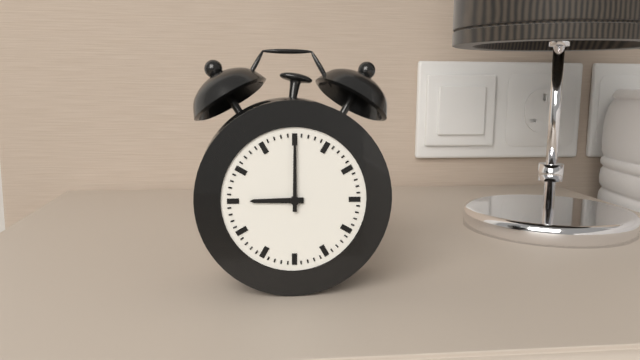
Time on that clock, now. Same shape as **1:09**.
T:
**9:00**
